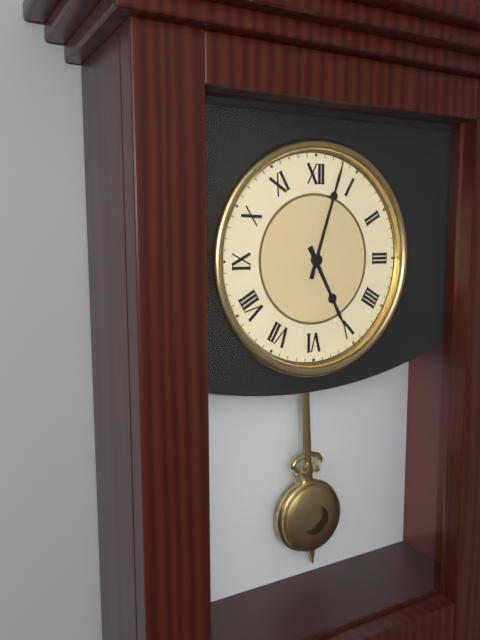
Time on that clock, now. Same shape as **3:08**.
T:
**5:03**
